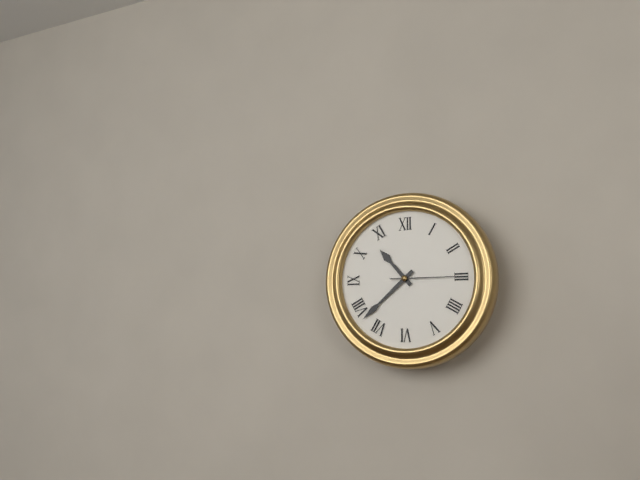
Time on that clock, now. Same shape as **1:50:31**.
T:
**10:38:15**
